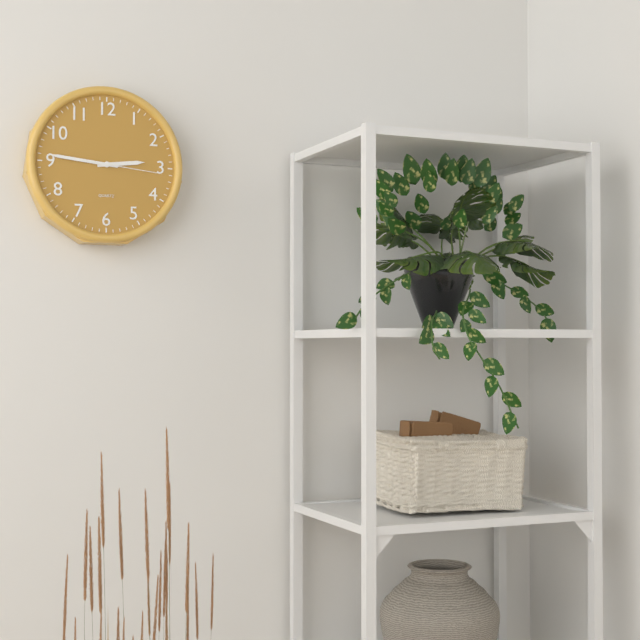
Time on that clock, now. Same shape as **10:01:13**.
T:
**2:46:16**
